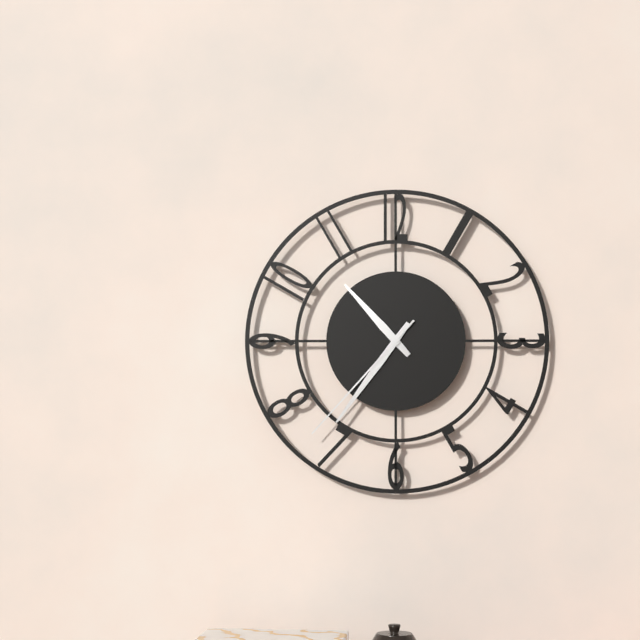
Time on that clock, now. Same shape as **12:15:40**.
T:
**10:36:37**
